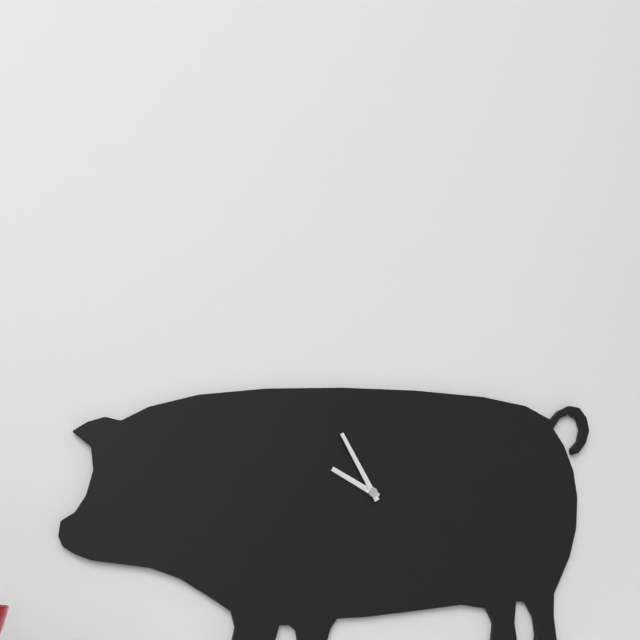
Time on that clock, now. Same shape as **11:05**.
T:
**9:55**
